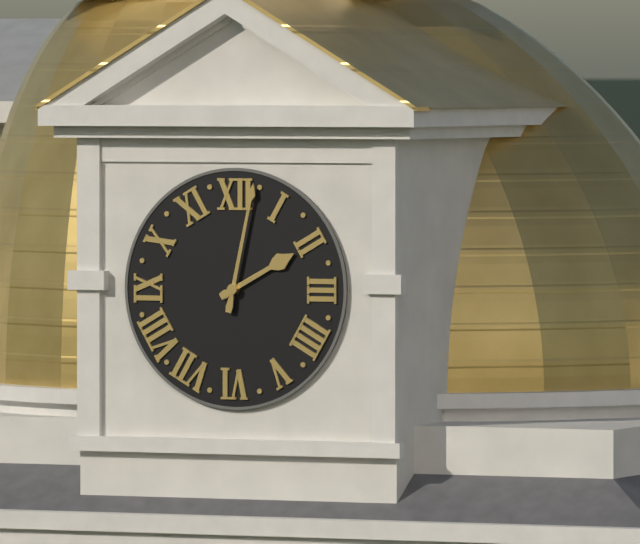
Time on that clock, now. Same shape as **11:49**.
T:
**2:02**
